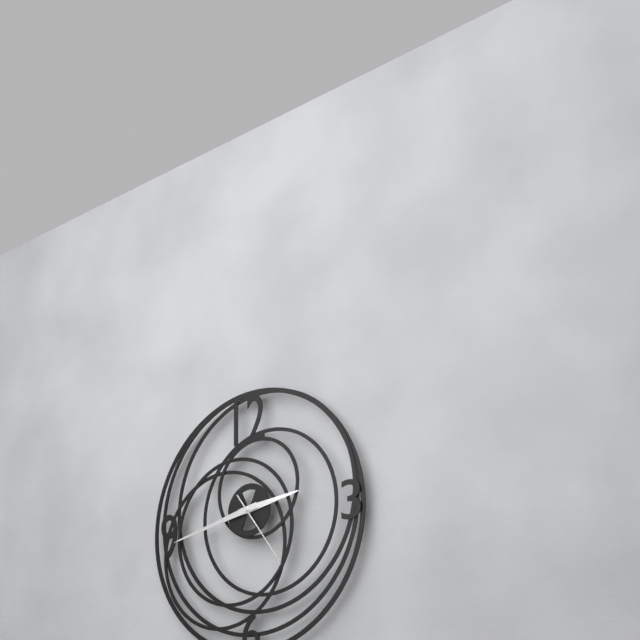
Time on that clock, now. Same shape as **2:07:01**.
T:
**2:43:24**
